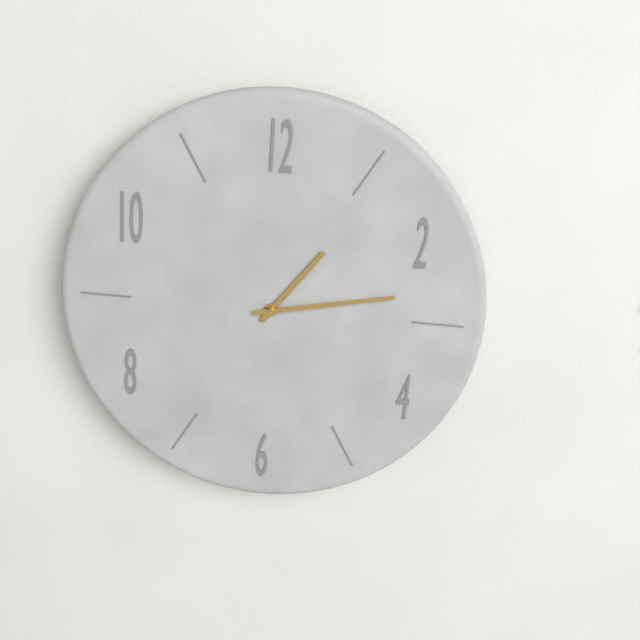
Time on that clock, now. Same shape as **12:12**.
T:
**1:13**
